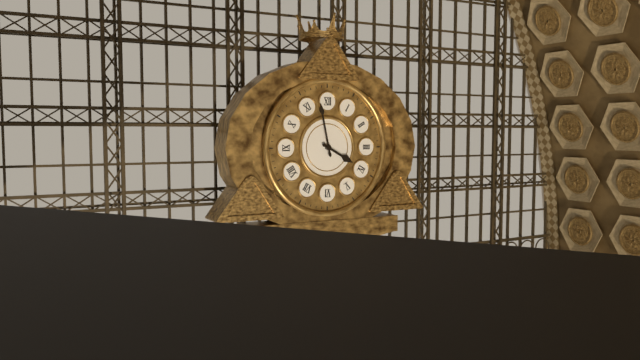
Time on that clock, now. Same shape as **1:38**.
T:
**3:58**
